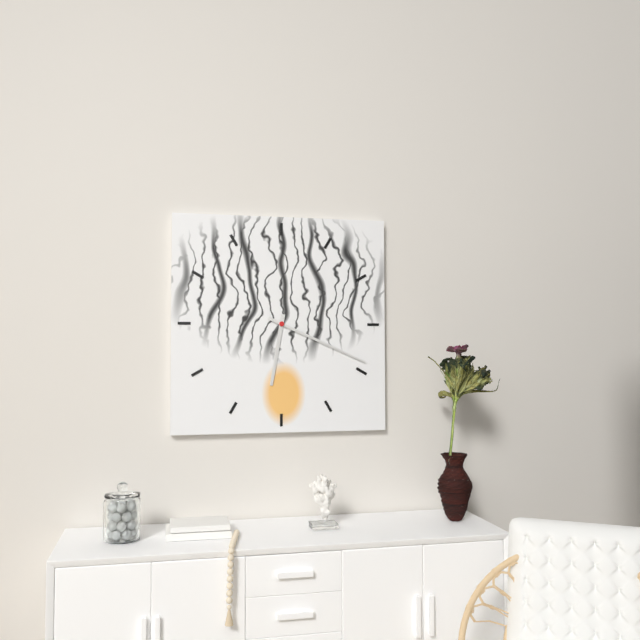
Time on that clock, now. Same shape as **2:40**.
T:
**6:19**
